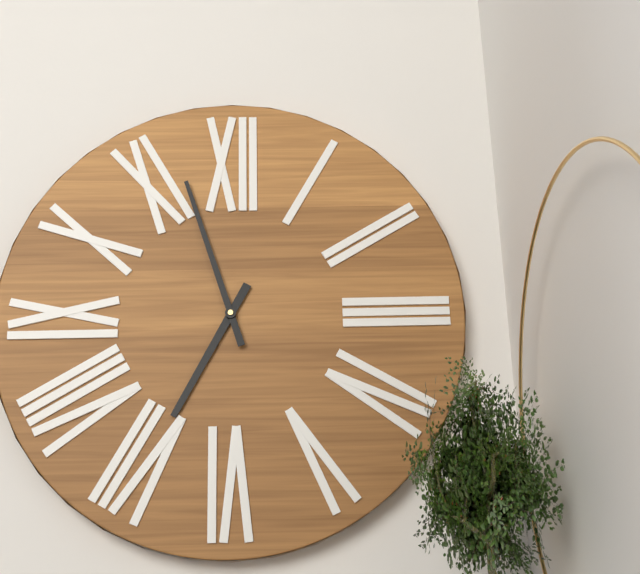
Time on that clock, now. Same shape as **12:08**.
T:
**6:57**
